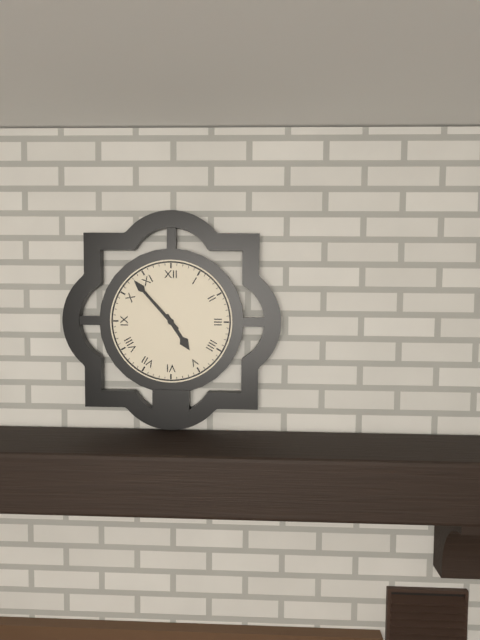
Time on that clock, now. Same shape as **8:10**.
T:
**4:53**
